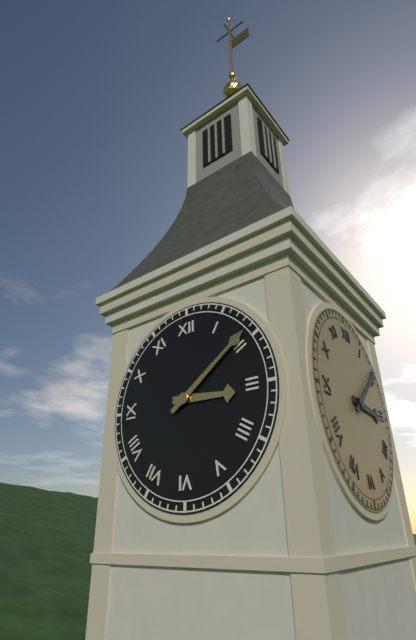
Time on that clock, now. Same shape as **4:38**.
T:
**3:09**
